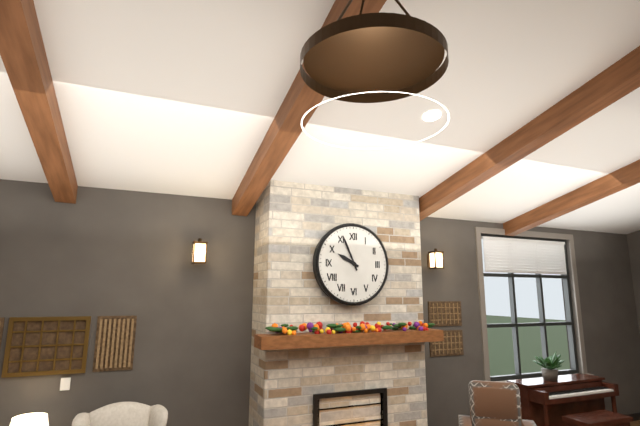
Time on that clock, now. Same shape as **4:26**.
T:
**9:56**
